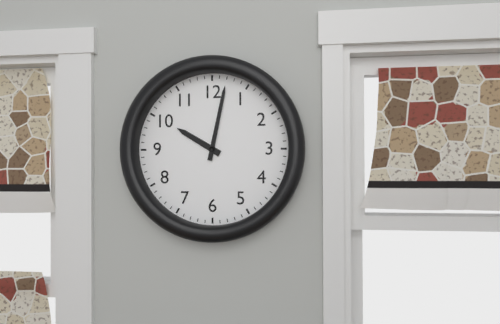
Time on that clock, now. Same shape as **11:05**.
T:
**10:02**
